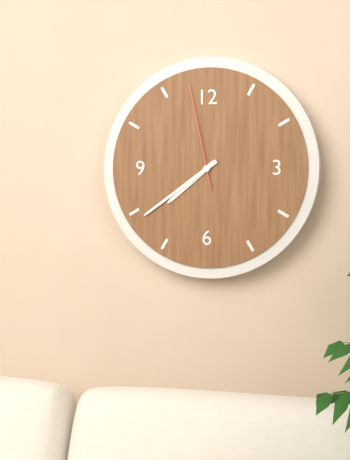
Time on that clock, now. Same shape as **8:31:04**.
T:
**7:39:58**
